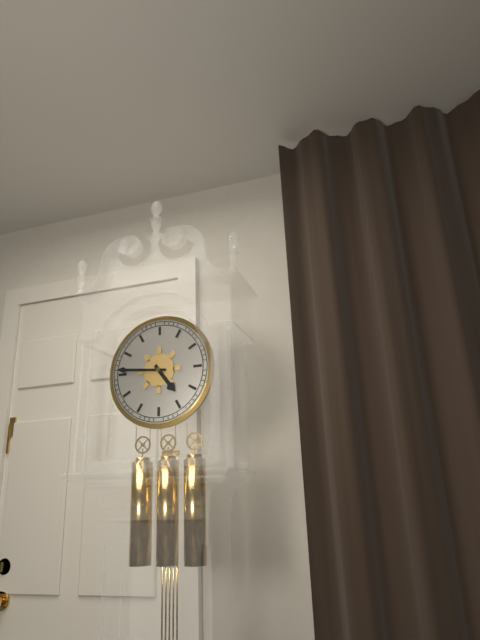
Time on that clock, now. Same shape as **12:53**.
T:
**4:46**
